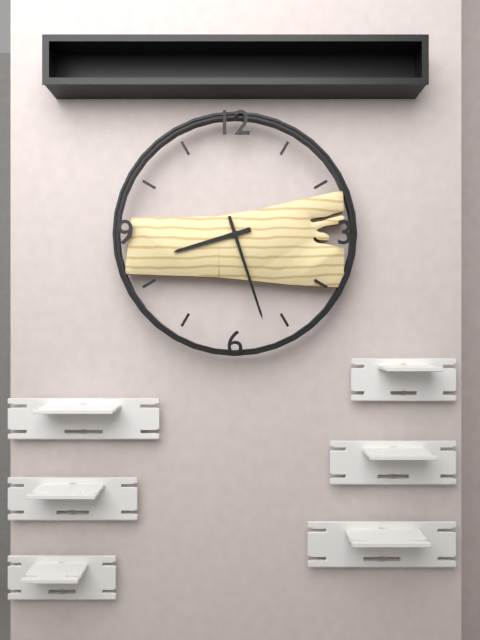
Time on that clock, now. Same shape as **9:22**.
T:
**8:27**
